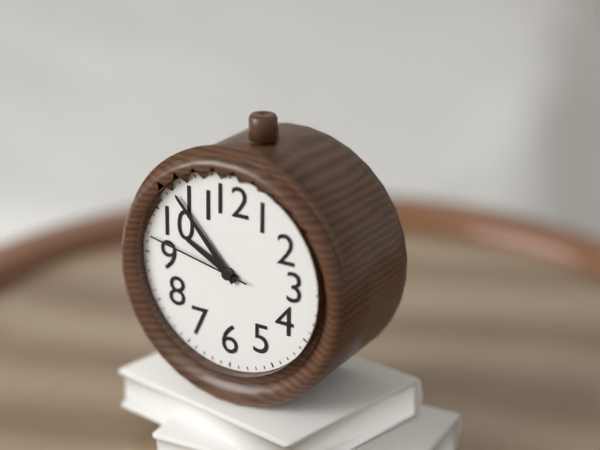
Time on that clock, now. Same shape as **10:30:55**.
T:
**9:53:47**
